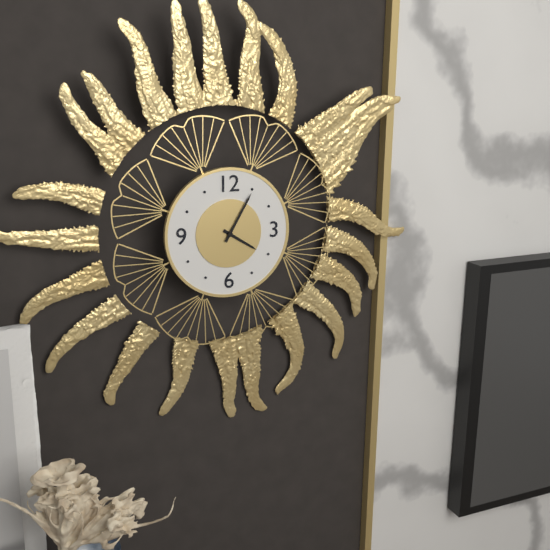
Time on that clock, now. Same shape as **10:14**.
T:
**4:05**
